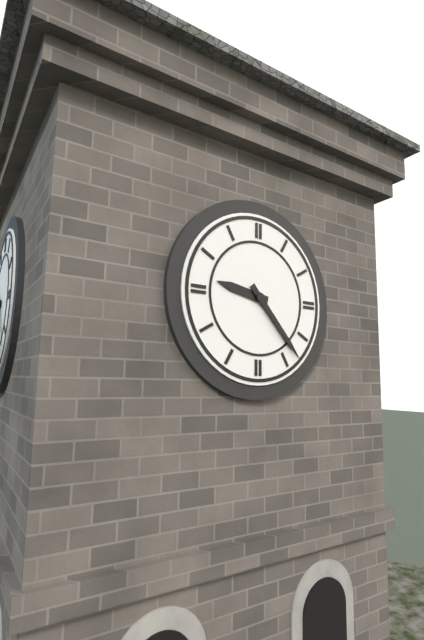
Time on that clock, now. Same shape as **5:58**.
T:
**9:23**
